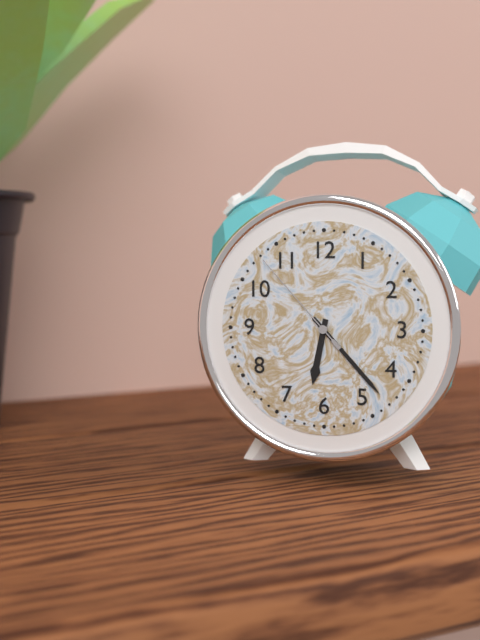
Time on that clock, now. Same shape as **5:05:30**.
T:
**6:23:53**
